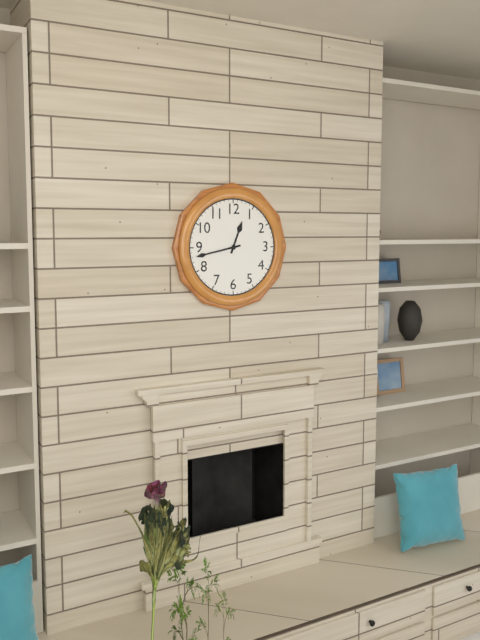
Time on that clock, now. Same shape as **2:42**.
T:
**12:43**
